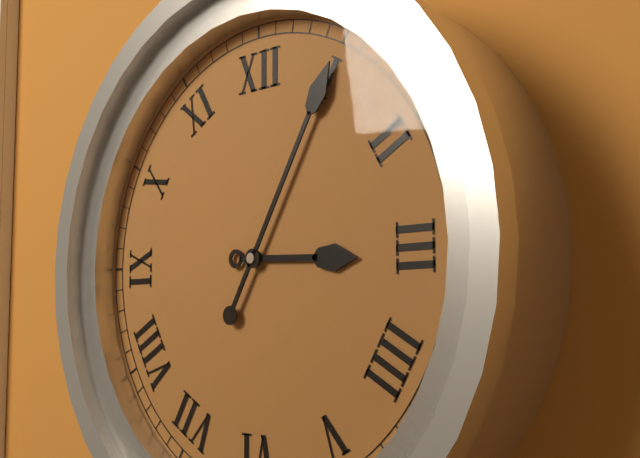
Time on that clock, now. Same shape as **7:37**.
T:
**3:05**
